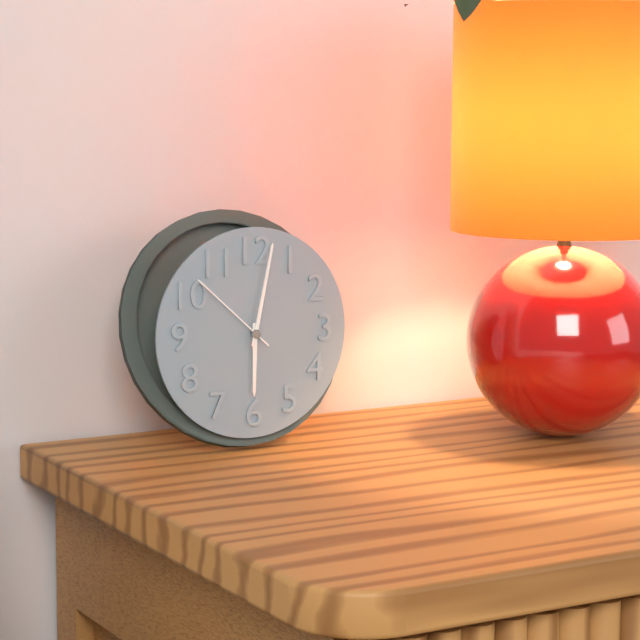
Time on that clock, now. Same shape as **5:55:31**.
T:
**6:02:52**
